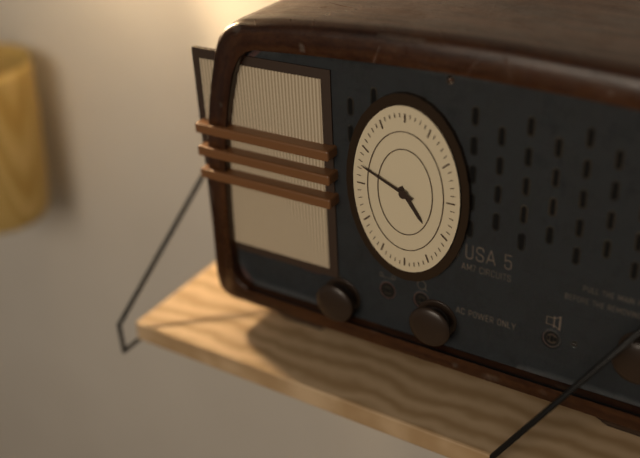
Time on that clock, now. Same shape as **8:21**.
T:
**4:49**
